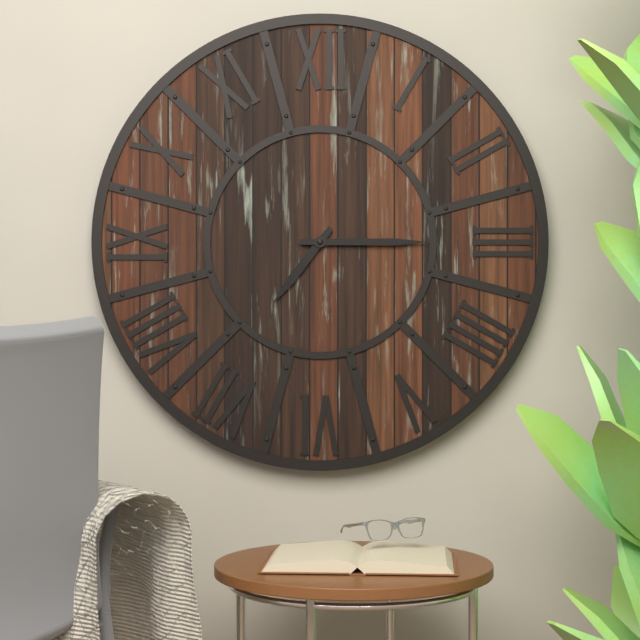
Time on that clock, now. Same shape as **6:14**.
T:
**7:15**
